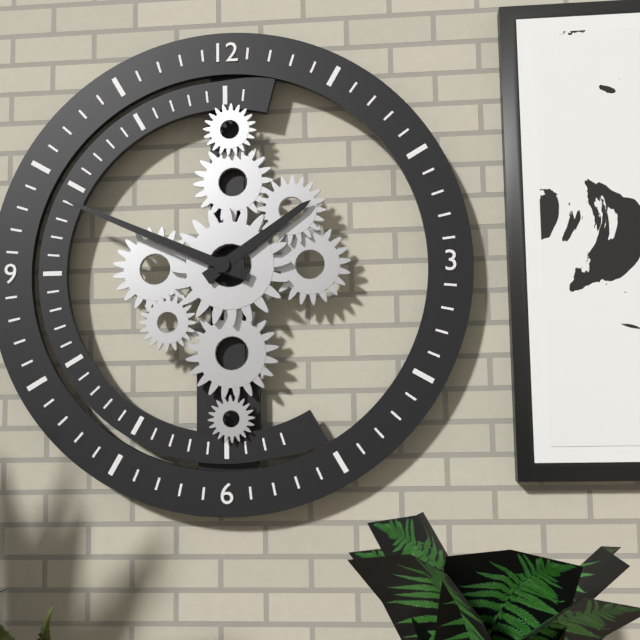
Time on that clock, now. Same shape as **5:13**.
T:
**1:49**
